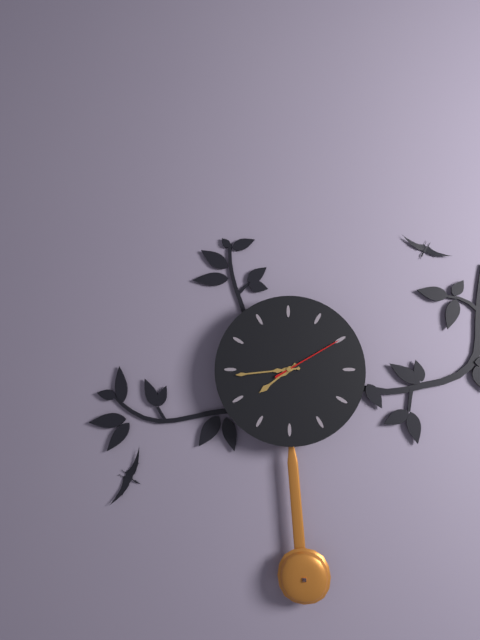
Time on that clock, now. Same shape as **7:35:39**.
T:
**7:44:10**
